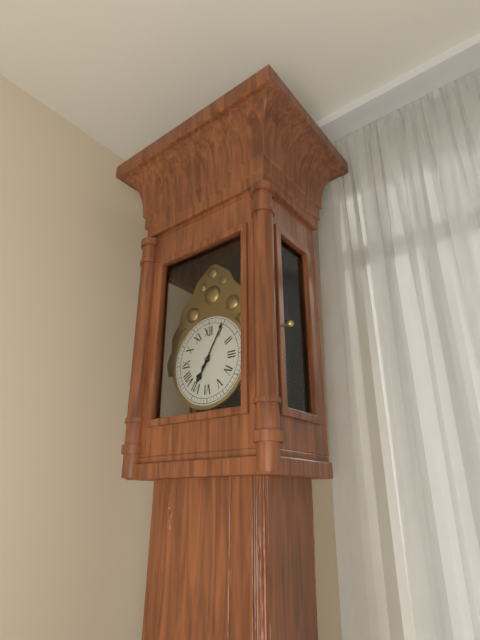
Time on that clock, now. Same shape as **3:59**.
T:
**7:05**
